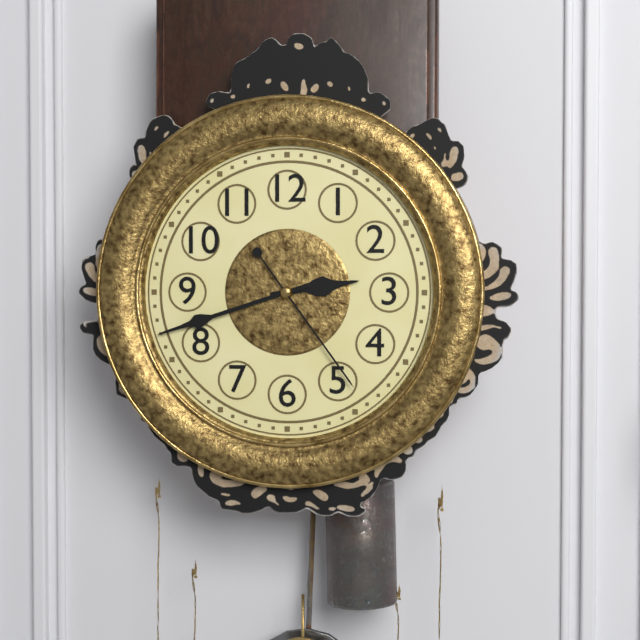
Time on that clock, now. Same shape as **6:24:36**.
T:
**2:42:24**
